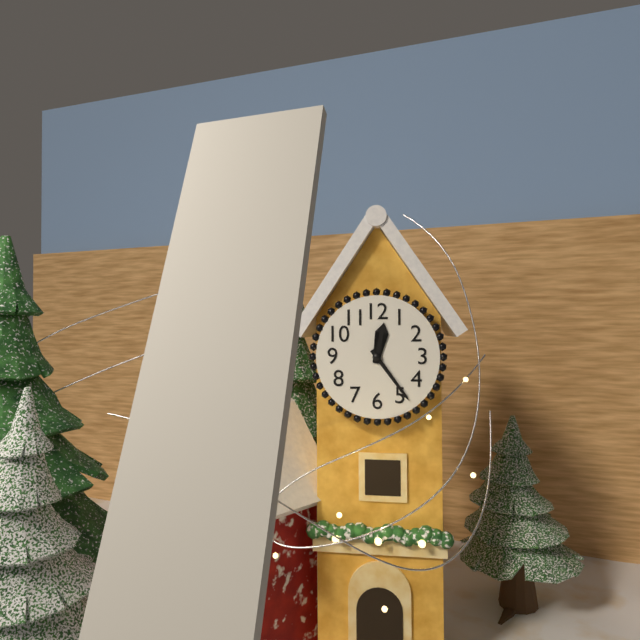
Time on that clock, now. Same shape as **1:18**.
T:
**12:24**
